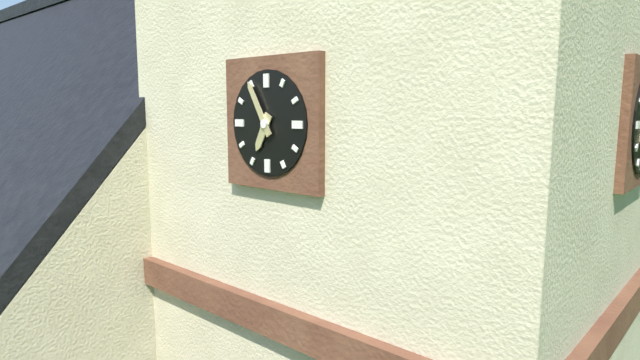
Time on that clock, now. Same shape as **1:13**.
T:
**6:55**
